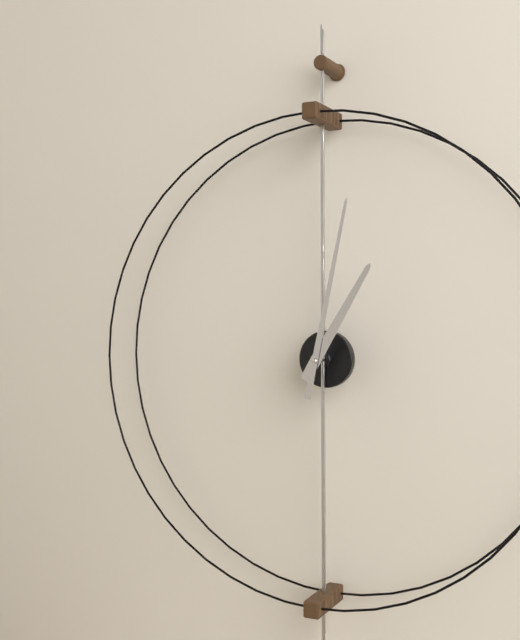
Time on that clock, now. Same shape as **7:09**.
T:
**1:02**
